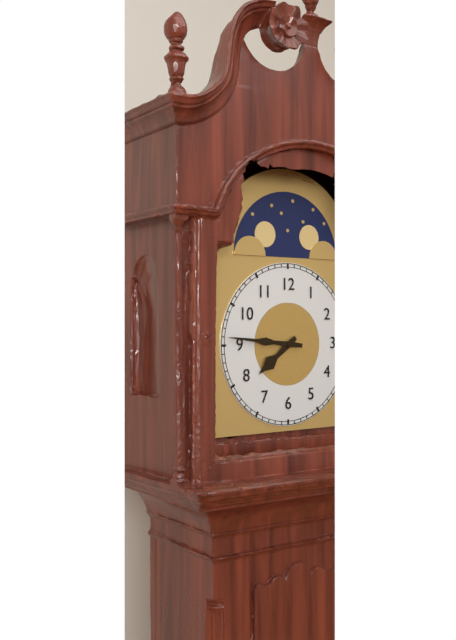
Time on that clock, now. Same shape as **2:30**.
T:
**7:46**
